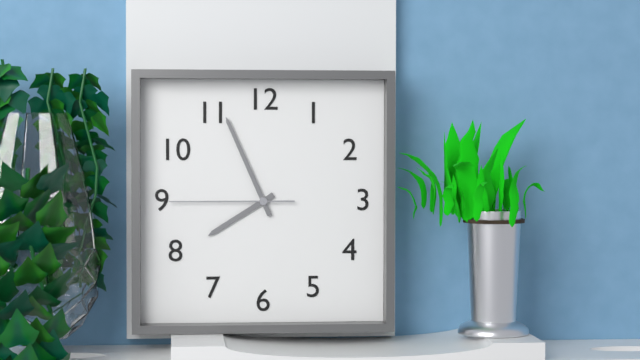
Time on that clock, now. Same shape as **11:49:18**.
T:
**7:56:45**
